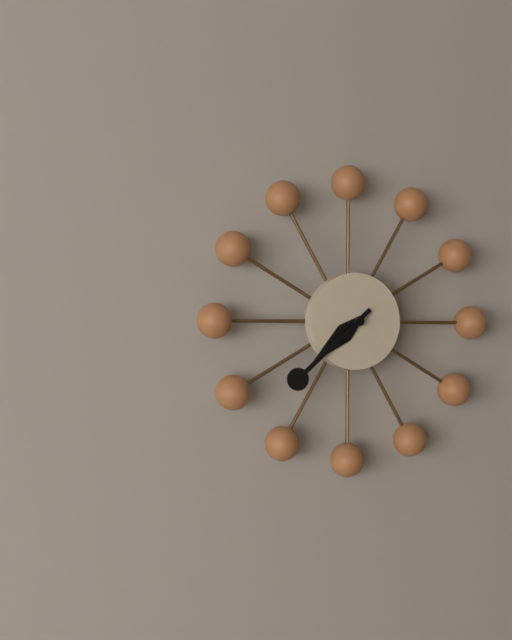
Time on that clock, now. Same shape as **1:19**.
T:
**7:38**
